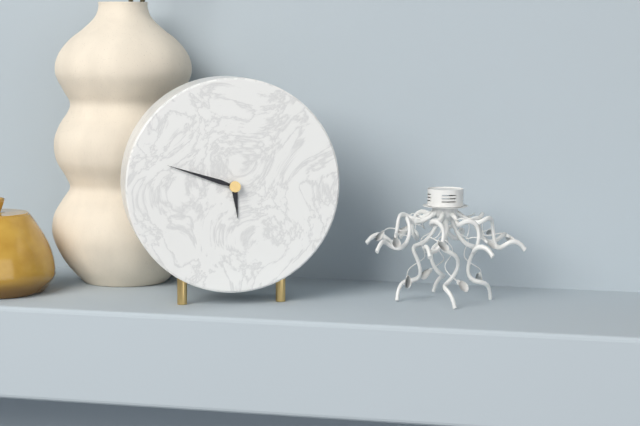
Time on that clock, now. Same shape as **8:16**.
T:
**5:48**
